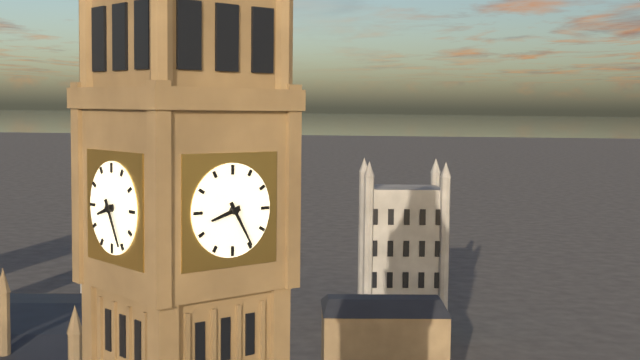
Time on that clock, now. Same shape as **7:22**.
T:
**8:25**
